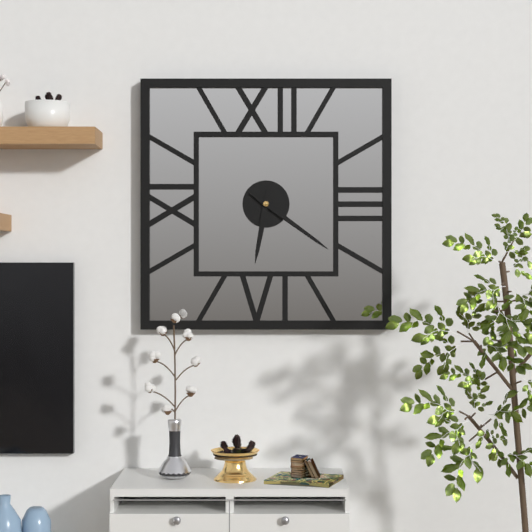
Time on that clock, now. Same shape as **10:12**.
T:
**6:21**
